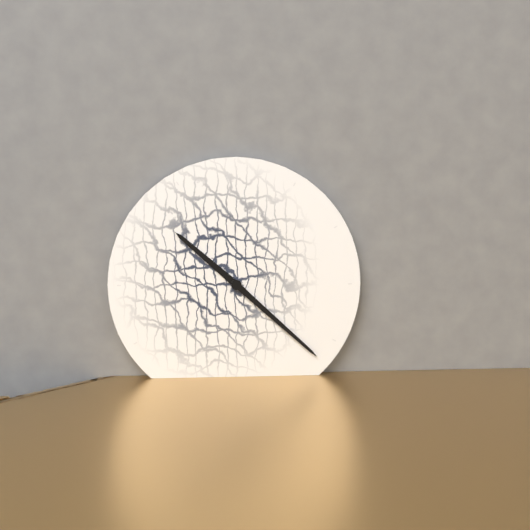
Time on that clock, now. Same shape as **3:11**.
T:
**10:22**
